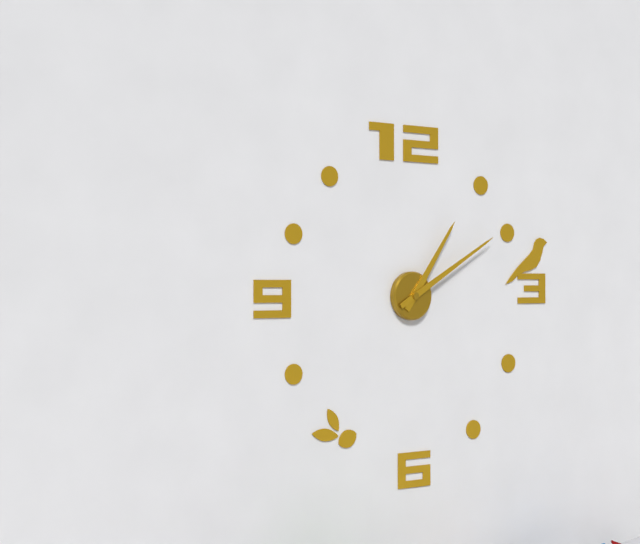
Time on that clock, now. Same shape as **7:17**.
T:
**1:10**
